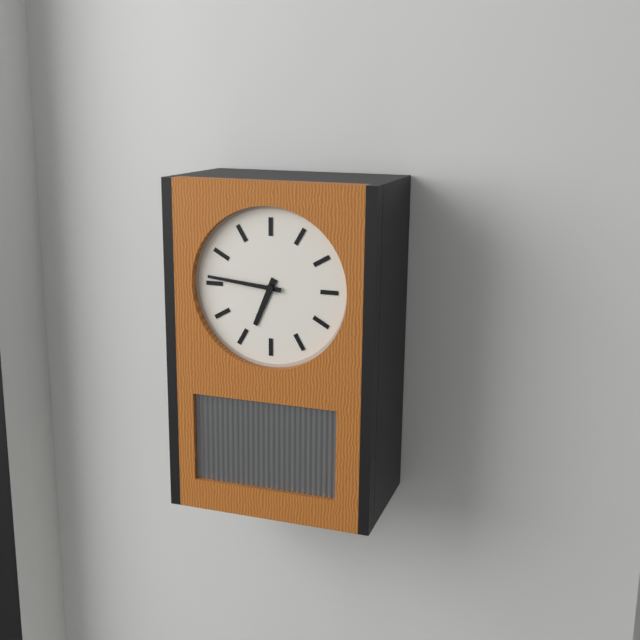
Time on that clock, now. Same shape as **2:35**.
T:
**6:46**
